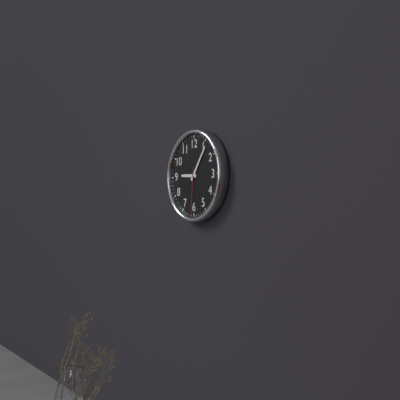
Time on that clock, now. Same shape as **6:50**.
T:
**9:06**
